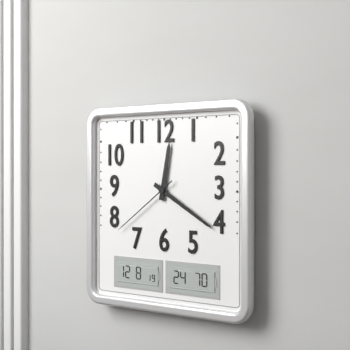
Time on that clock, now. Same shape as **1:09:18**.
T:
**12:20:39**
